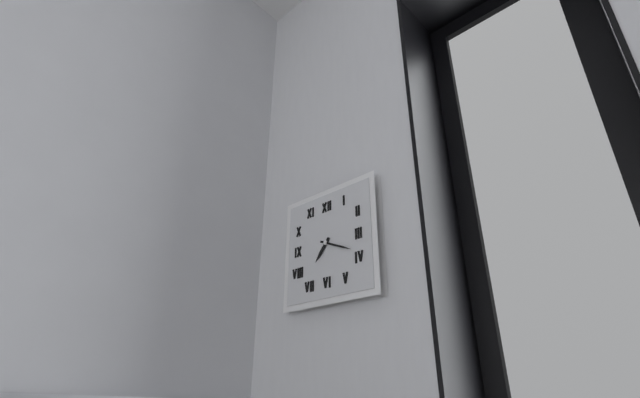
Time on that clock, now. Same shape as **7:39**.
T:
**7:19**
